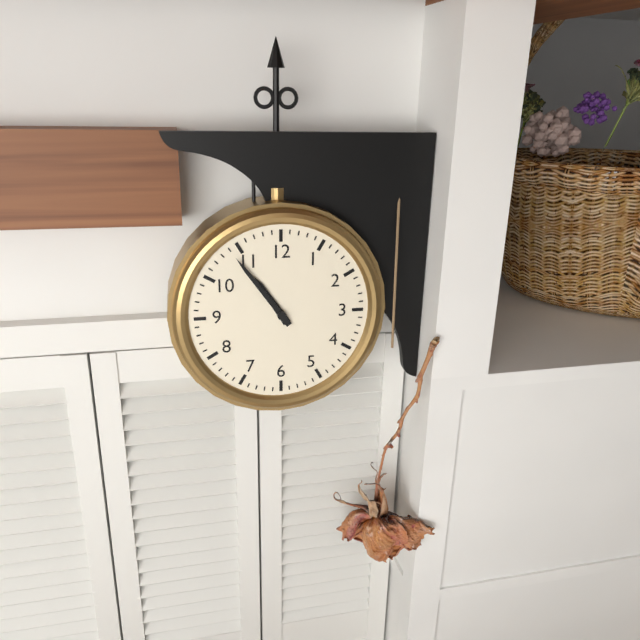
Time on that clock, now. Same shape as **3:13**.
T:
**10:54**
